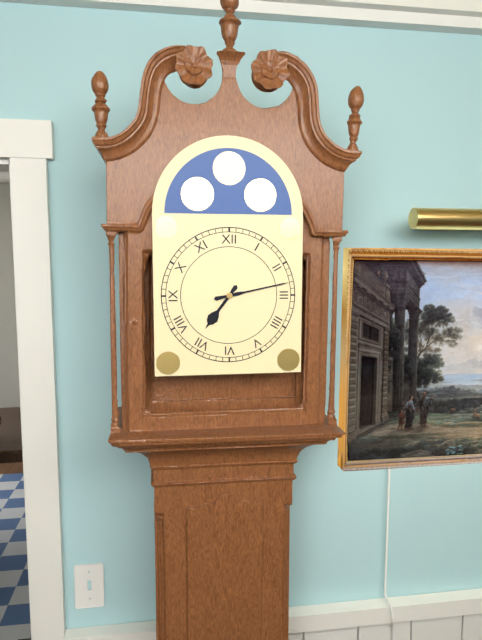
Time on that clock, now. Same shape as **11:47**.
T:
**7:13**
